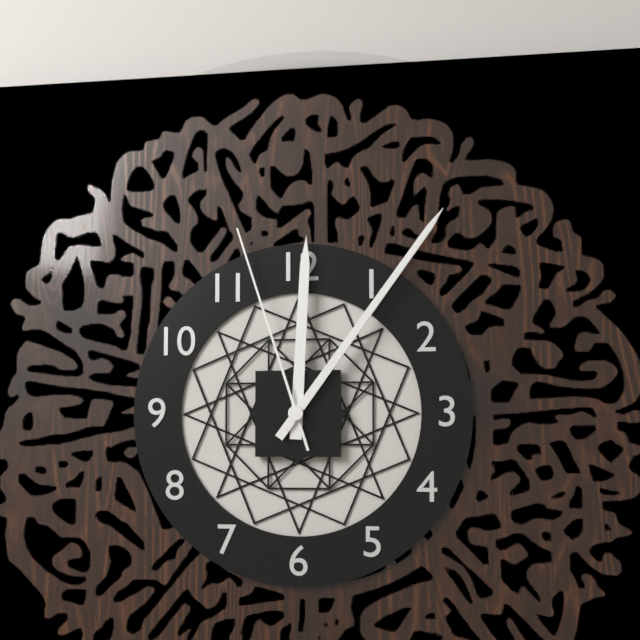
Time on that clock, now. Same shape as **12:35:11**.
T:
**12:06:57**
